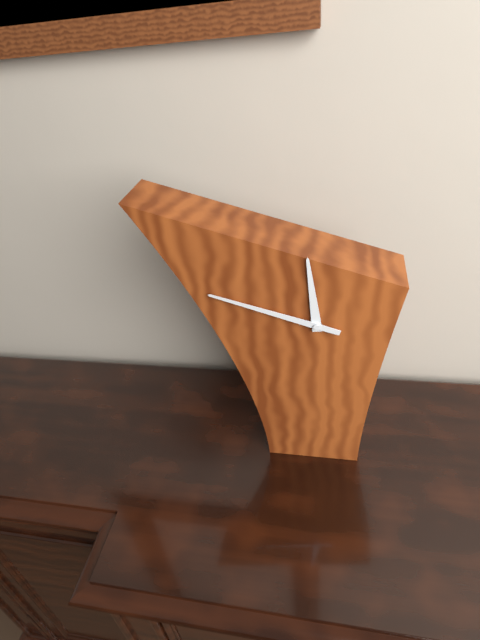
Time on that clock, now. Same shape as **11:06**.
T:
**11:48**
